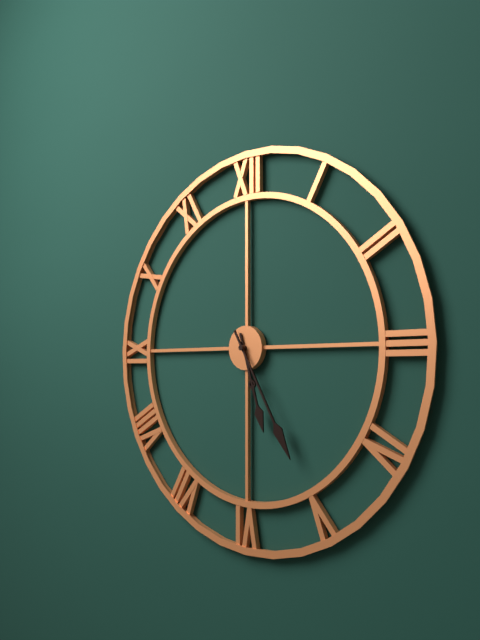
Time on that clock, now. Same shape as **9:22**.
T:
**5:25**
